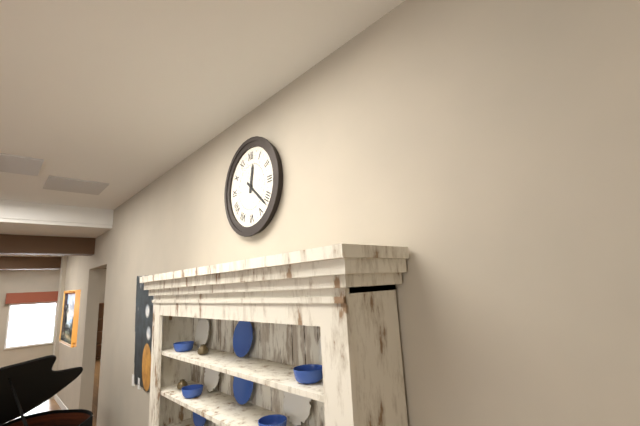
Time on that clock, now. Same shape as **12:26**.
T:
**12:22**
